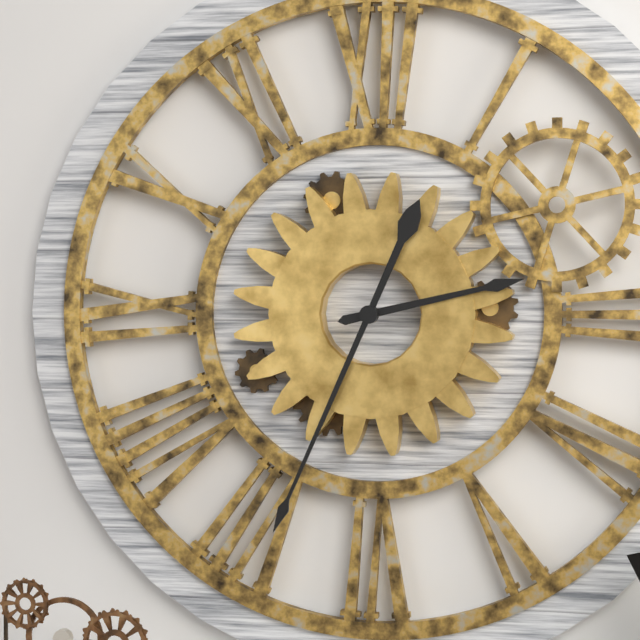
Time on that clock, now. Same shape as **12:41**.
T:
**2:34**
